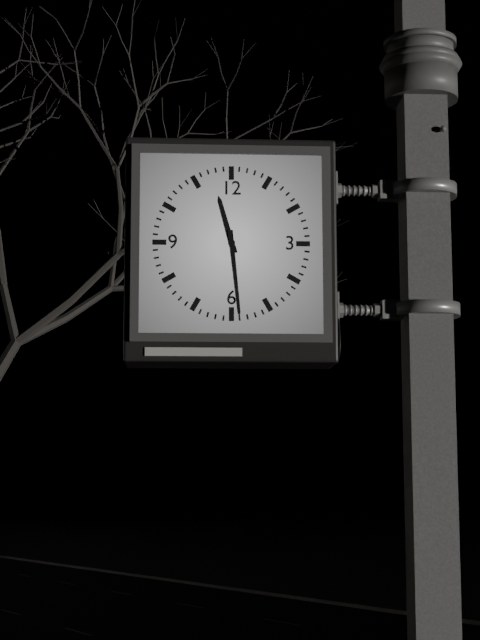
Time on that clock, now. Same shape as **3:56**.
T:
**11:29**
